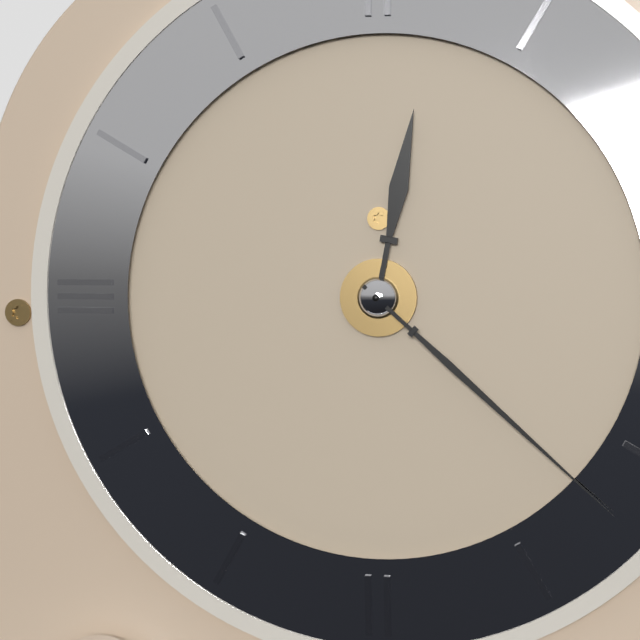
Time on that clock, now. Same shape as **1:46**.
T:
**12:22**
